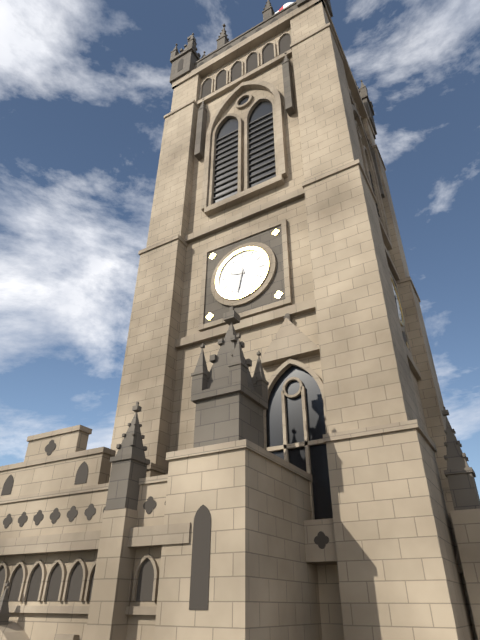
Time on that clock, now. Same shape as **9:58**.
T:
**9:32**
